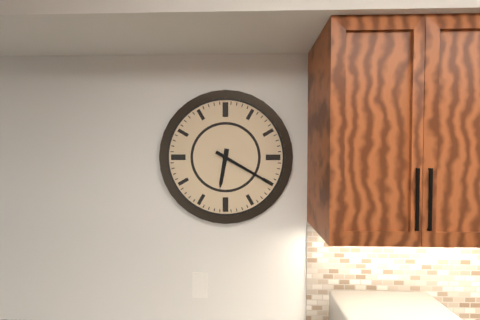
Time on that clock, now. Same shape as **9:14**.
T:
**6:20**
